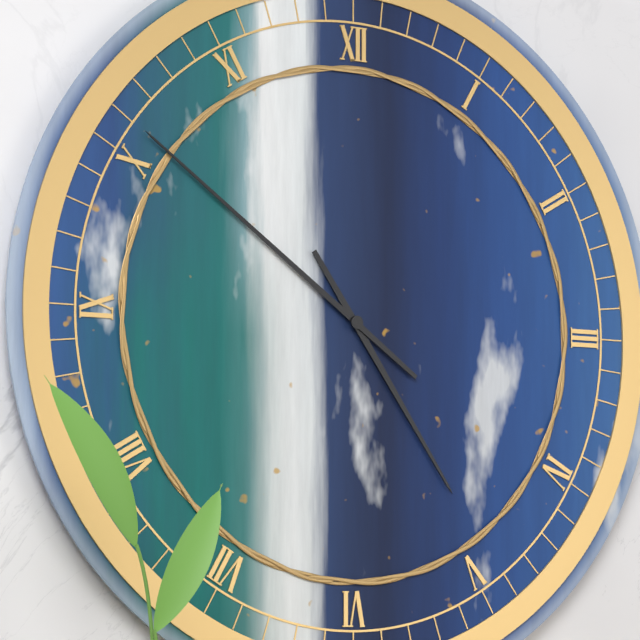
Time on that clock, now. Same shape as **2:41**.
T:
**4:51**
